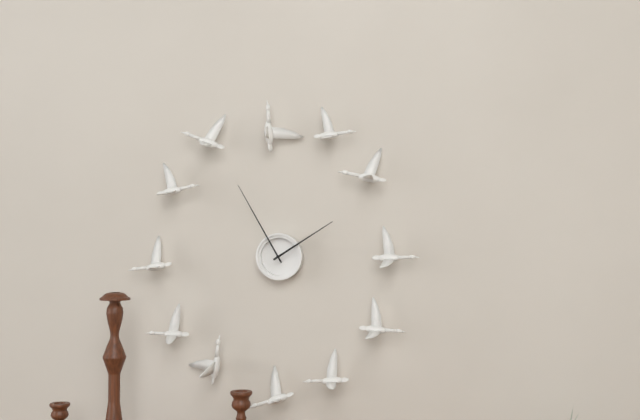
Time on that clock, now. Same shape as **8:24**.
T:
**1:55**
